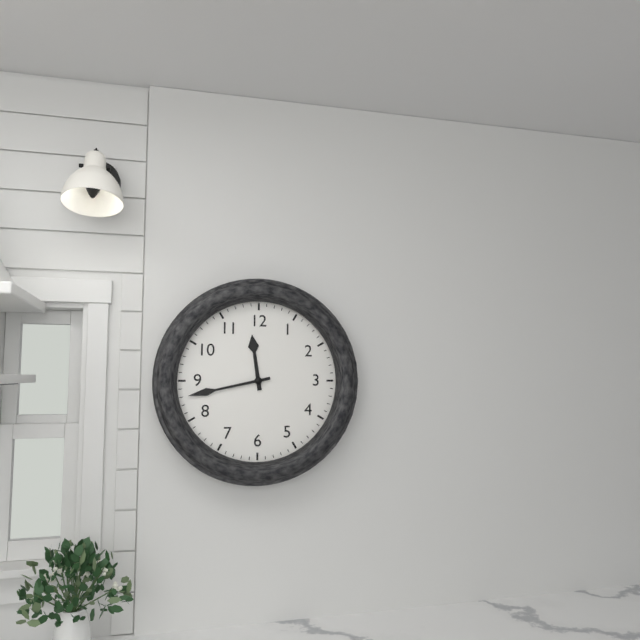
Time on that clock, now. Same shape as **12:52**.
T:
**11:43**
